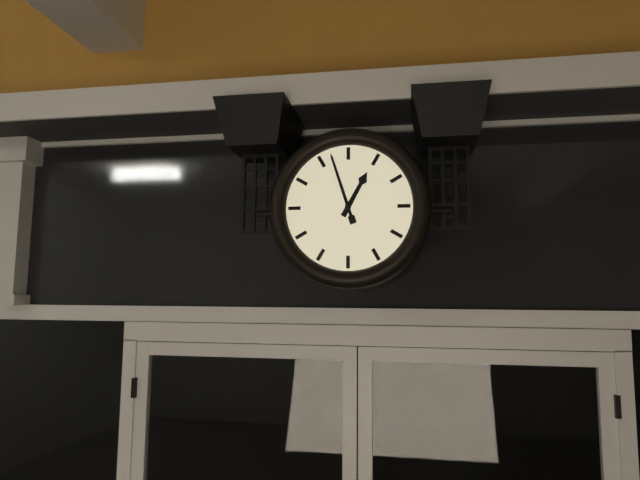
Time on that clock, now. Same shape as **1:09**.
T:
**12:57**
